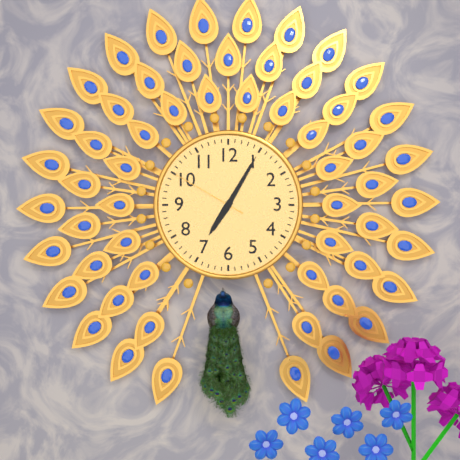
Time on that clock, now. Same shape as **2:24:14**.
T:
**7:05:50**
